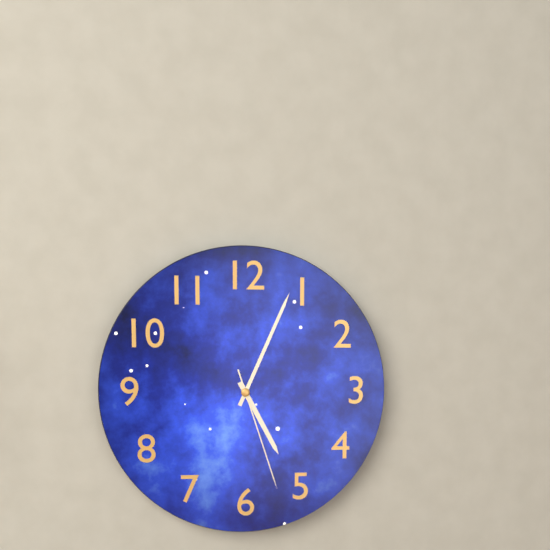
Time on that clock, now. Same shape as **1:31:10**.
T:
**5:04:27**
